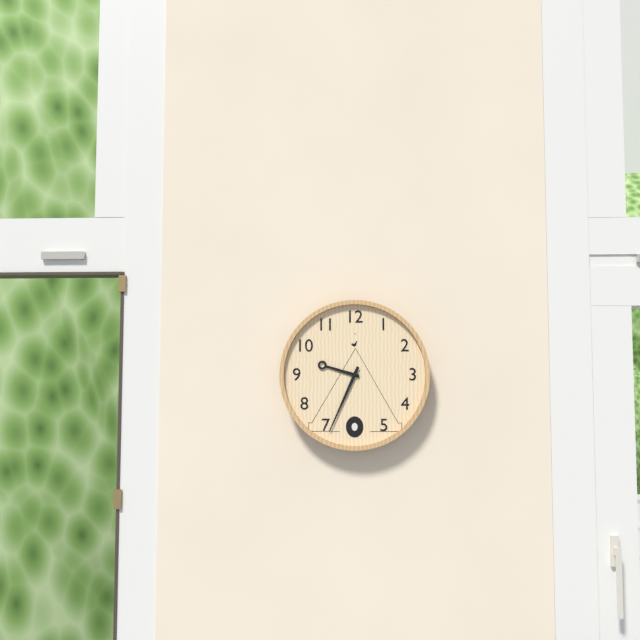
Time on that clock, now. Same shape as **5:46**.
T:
**9:34**
